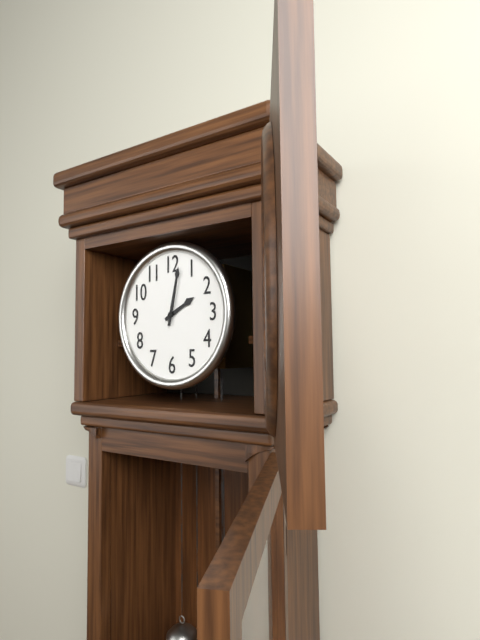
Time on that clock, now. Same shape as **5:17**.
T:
**2:02**
